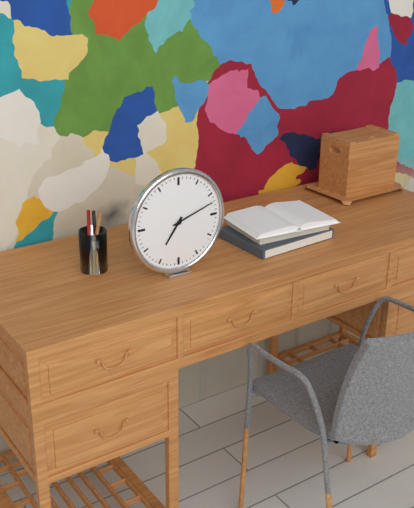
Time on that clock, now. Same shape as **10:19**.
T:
**7:12**
